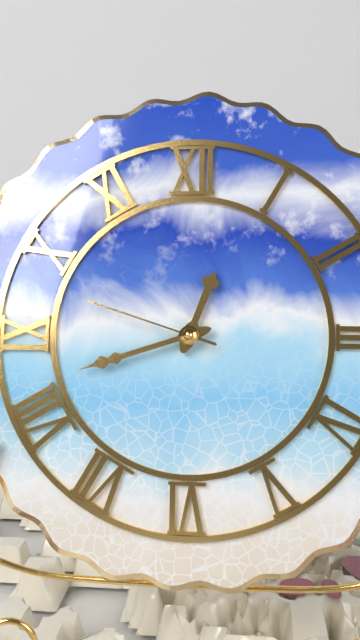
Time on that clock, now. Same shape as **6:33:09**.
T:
**12:42:48**
